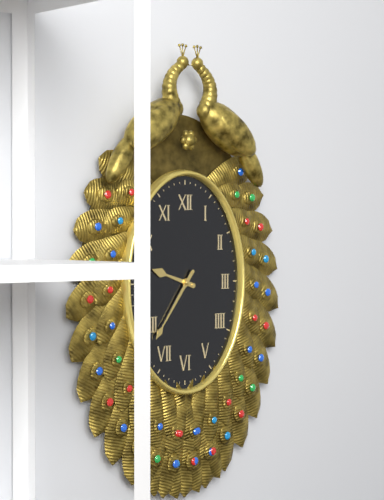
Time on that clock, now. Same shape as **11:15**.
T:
**9:36**
